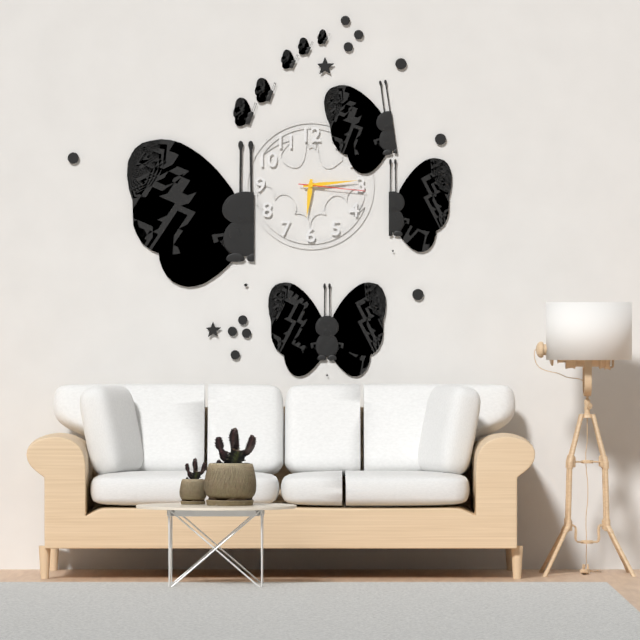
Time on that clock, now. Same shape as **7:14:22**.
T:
**6:14:16**
